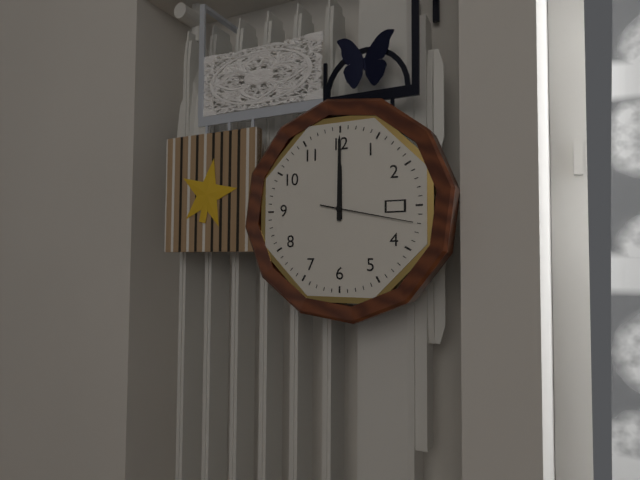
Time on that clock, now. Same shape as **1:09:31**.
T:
**12:00:17**
